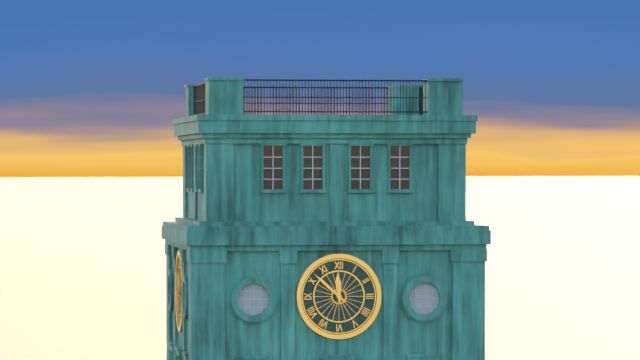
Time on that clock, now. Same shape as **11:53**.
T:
**11:52**
